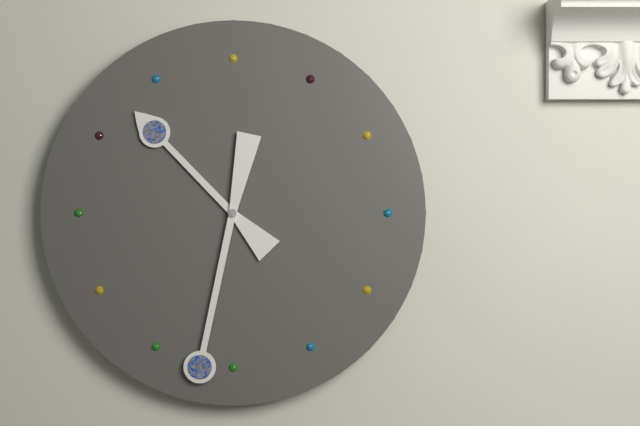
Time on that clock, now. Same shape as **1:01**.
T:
**10:32**
